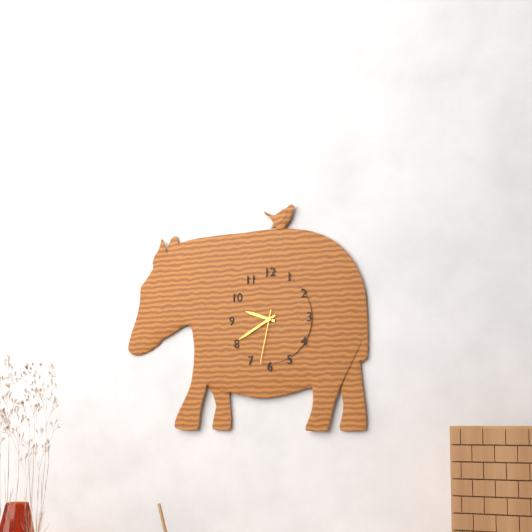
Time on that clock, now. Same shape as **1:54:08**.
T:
**9:40:32**
